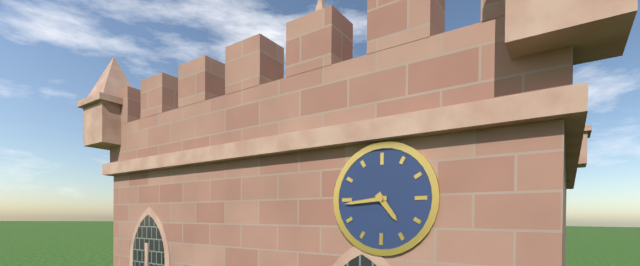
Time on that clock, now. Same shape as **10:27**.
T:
**4:44**
